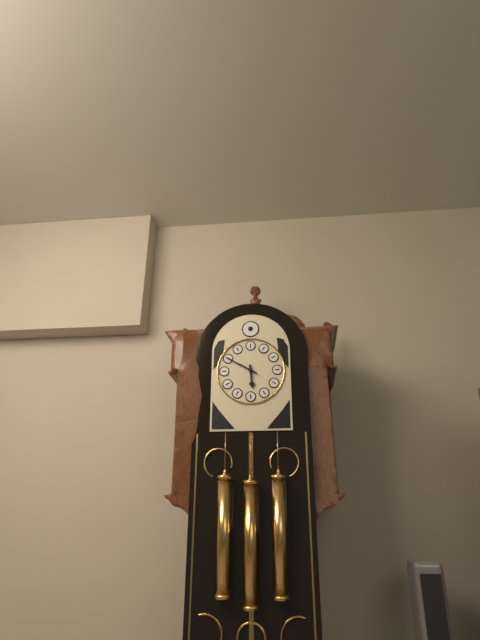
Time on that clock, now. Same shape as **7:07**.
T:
**5:50**
